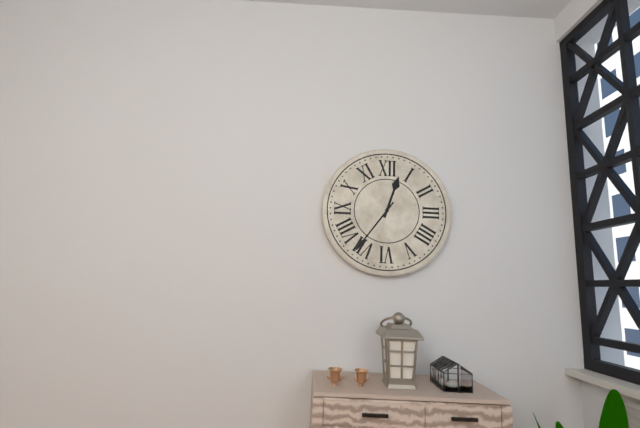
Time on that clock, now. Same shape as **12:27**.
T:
**12:36**
